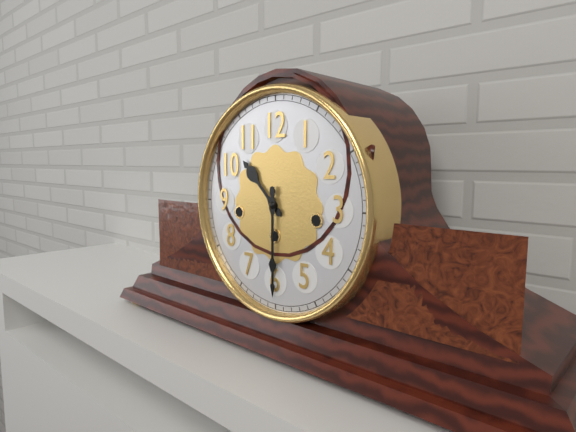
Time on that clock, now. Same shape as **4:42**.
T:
**10:30**
